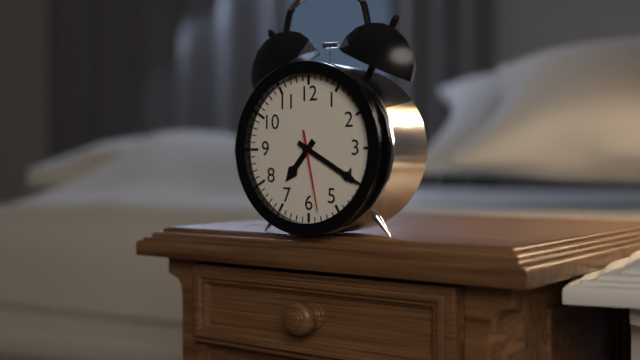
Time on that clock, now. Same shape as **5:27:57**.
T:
**7:20:28**
